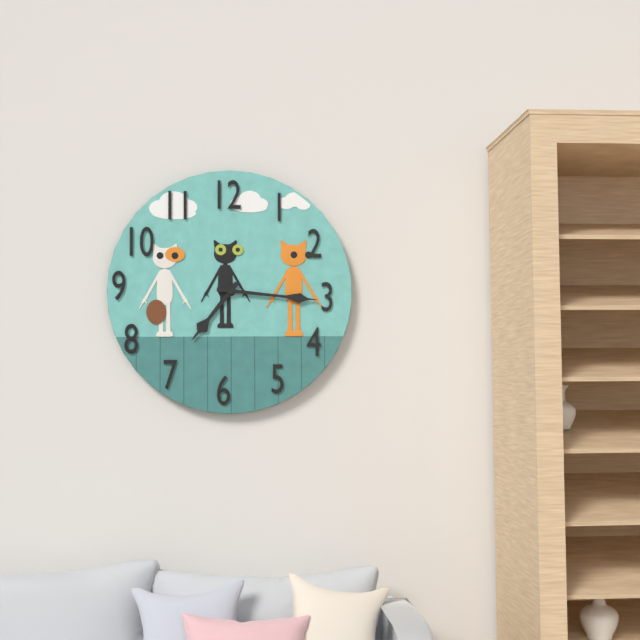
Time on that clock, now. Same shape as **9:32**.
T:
**7:16**
